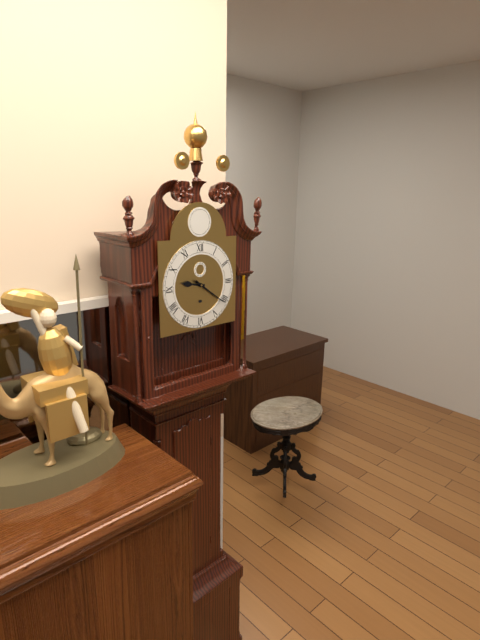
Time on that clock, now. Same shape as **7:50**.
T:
**9:21**
